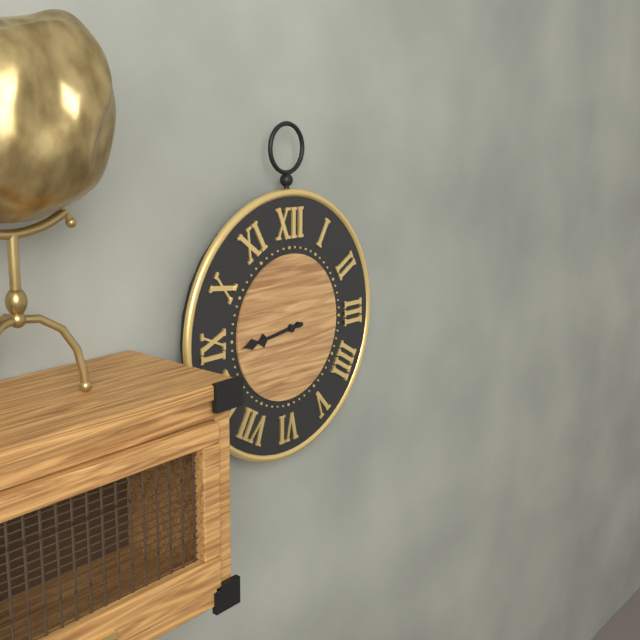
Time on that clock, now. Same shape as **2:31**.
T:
**8:44**
